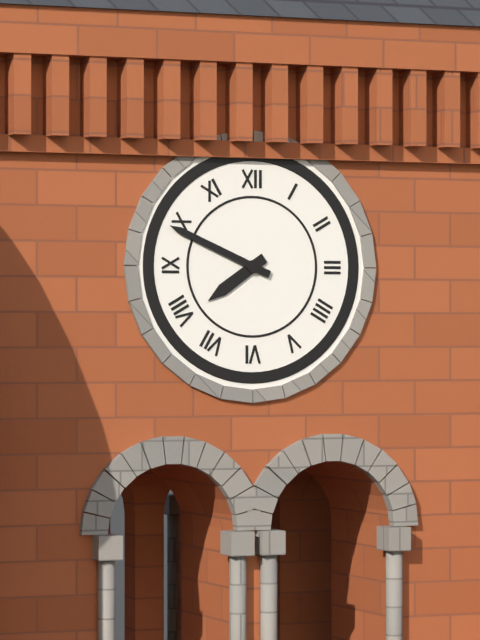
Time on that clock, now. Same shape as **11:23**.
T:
**7:49**
